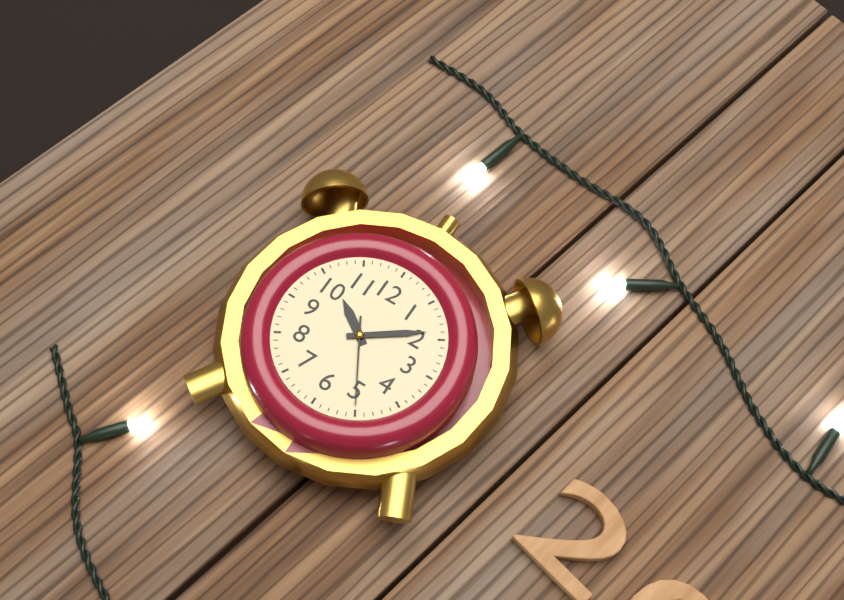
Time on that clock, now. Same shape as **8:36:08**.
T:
**10:09:25**
